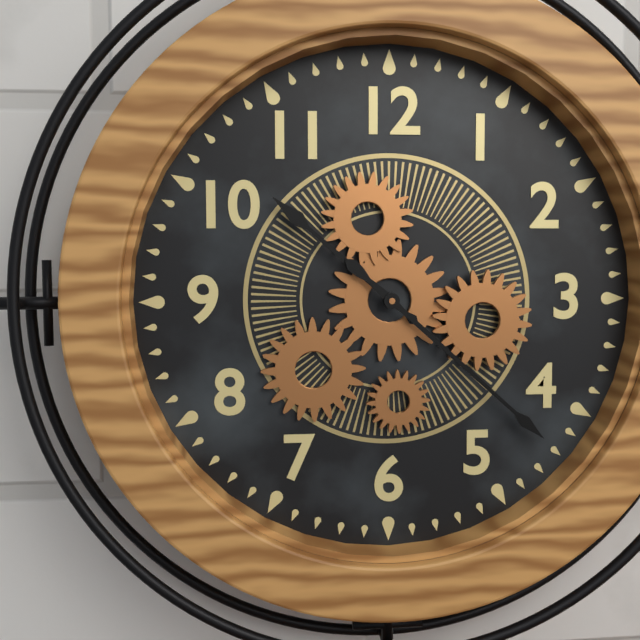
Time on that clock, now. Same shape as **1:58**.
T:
**10:22**
